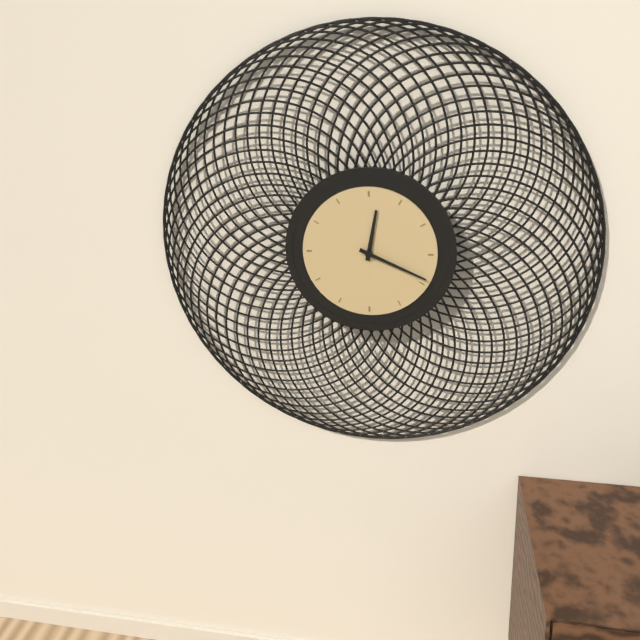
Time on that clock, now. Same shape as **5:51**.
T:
**12:19**
